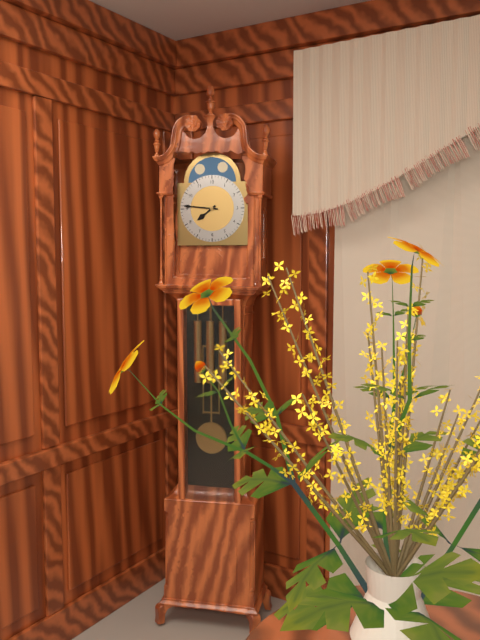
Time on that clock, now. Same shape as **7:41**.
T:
**7:46**
